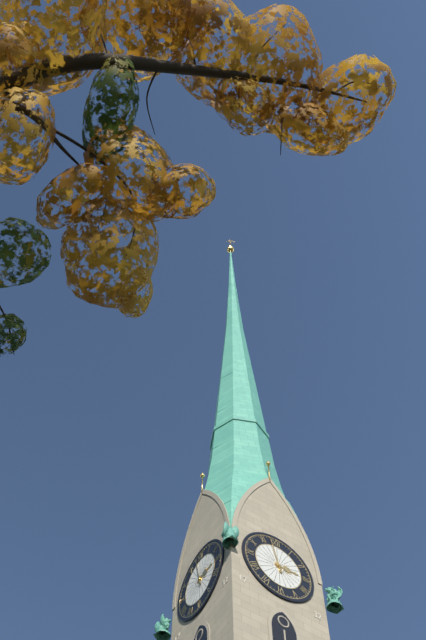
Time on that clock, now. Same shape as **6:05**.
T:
**2:58**
